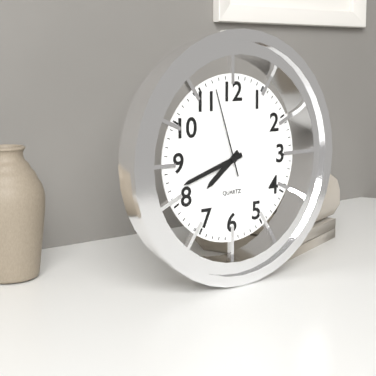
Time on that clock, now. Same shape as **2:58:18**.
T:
**7:42:57**
